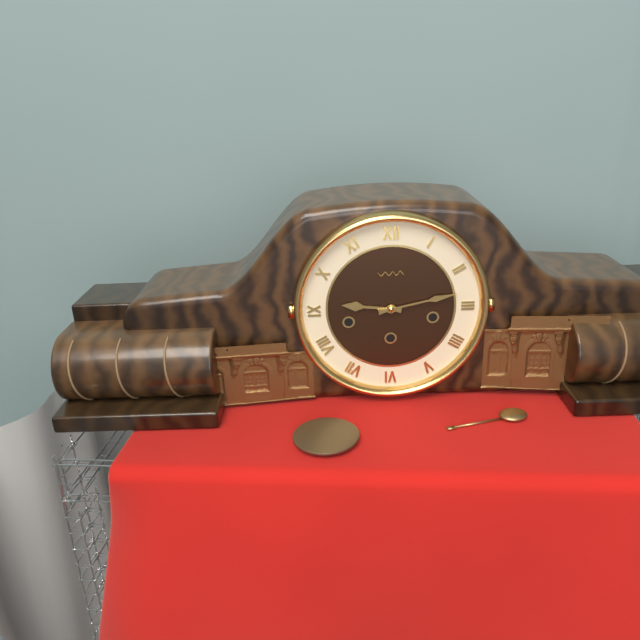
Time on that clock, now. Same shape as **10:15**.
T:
**9:13**
